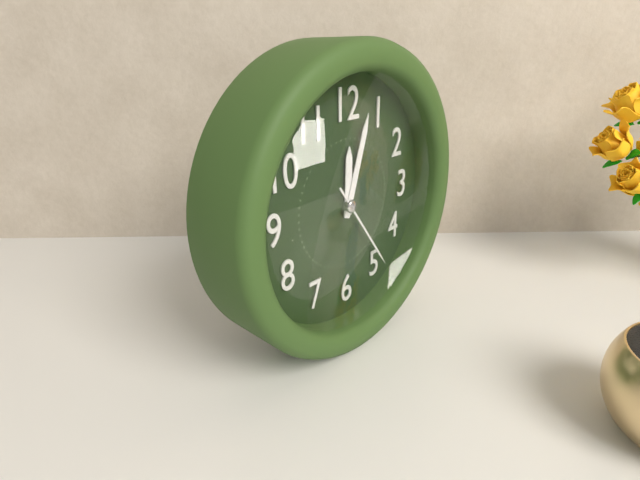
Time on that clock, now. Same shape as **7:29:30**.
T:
**12:03:24**
